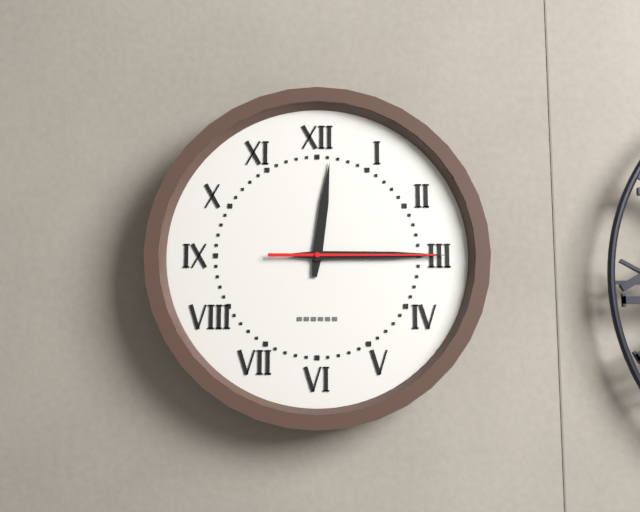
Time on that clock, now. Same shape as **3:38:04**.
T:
**12:15:15**
